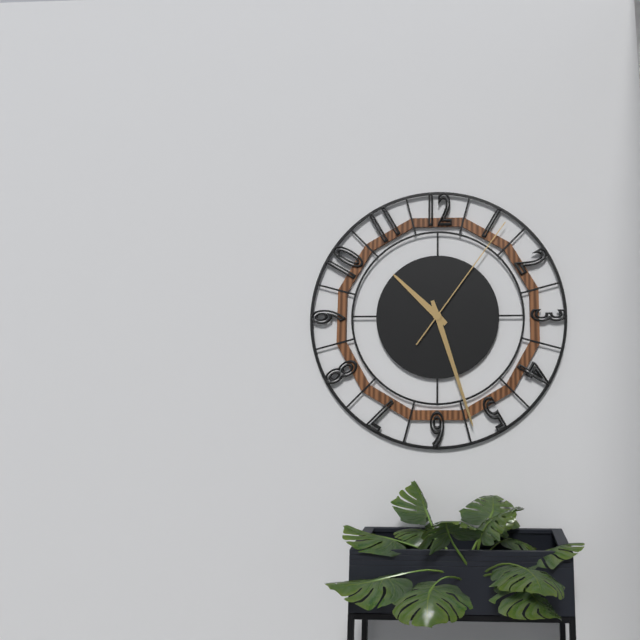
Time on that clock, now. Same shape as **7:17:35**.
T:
**10:27:06**
